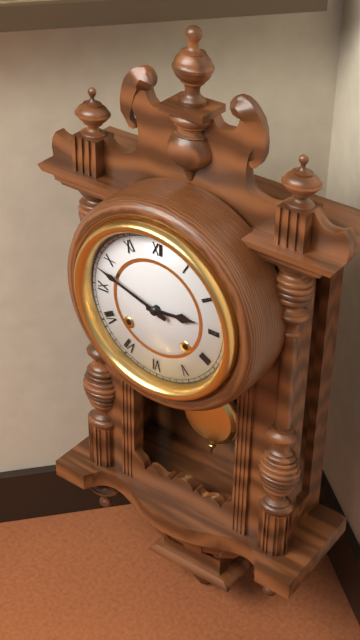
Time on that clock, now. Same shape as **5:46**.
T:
**2:48**
